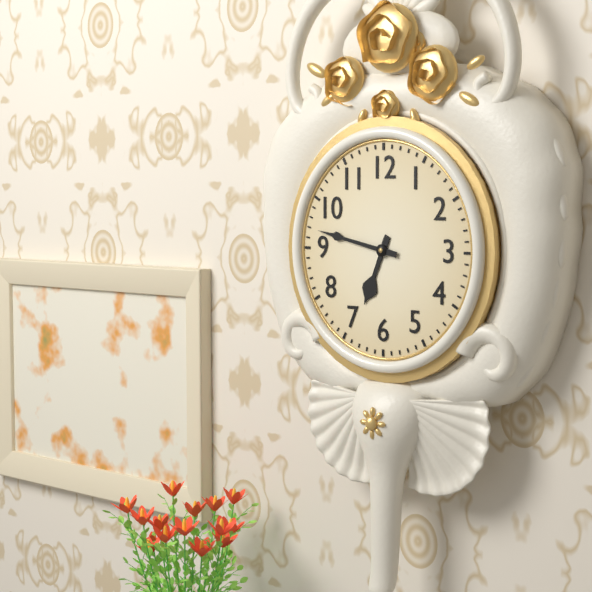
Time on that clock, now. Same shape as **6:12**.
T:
**6:47**
